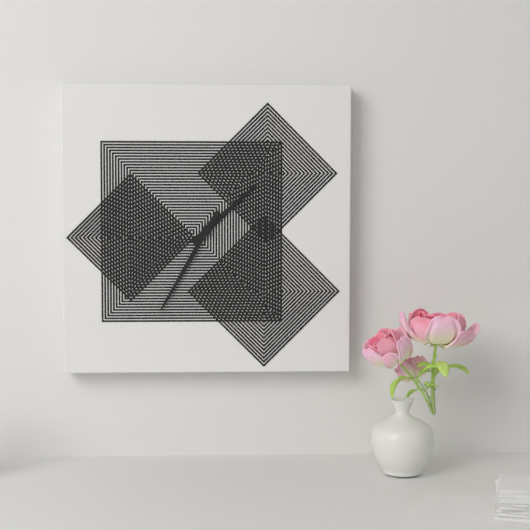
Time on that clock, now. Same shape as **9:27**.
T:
**1:35**
